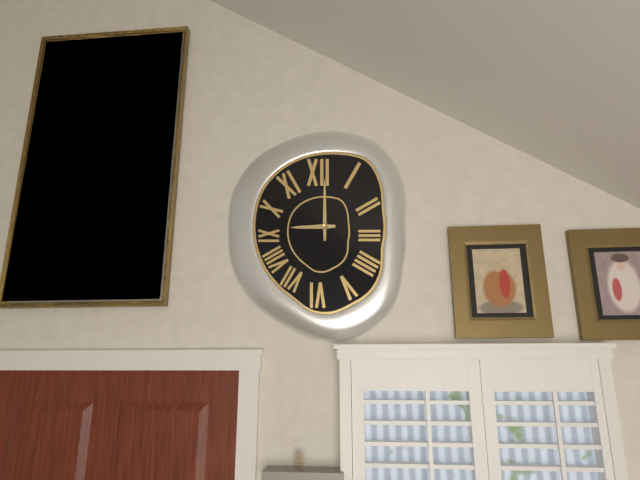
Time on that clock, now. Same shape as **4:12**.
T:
**9:00**
